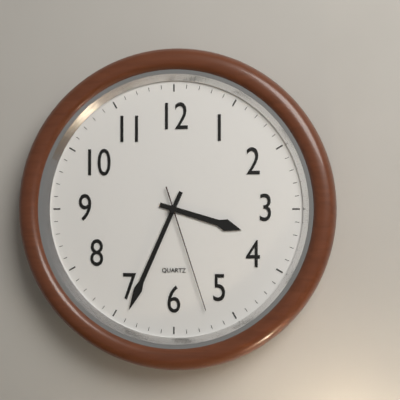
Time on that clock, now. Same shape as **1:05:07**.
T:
**3:34:27**
